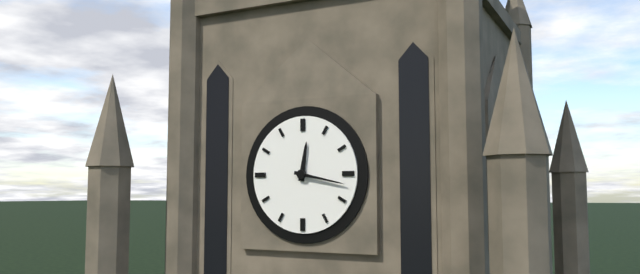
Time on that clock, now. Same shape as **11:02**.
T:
**12:17**
